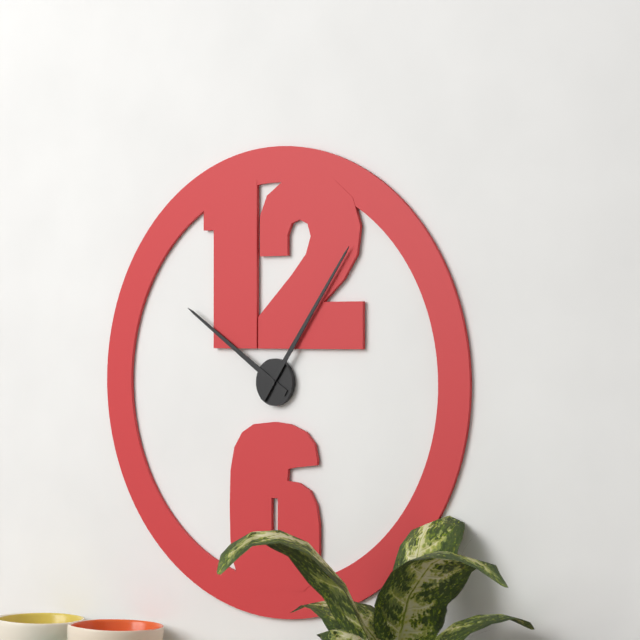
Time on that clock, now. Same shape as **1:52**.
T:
**10:06**
